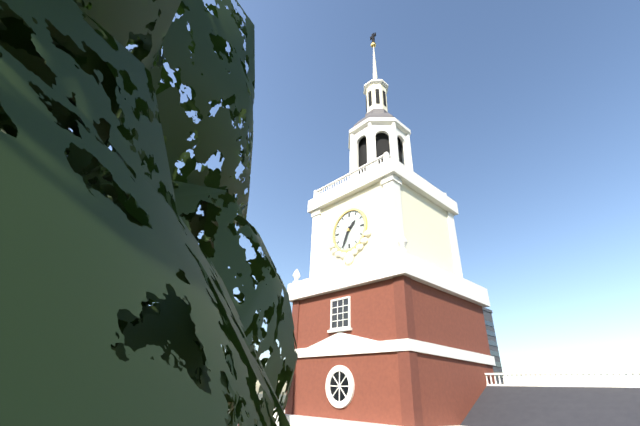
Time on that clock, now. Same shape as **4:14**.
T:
**1:34**
